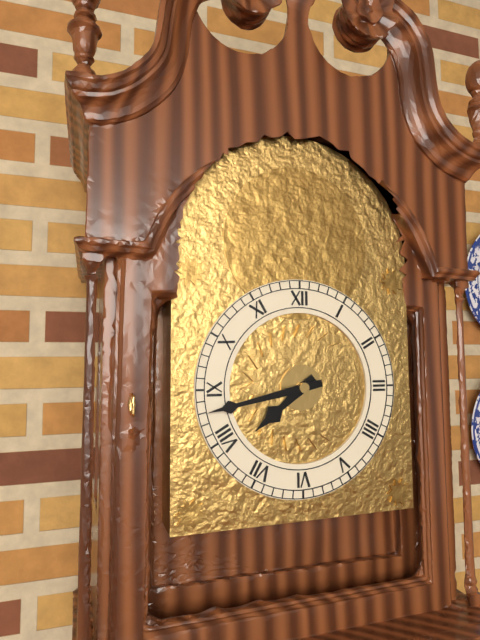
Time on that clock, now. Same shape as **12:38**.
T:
**7:43**
